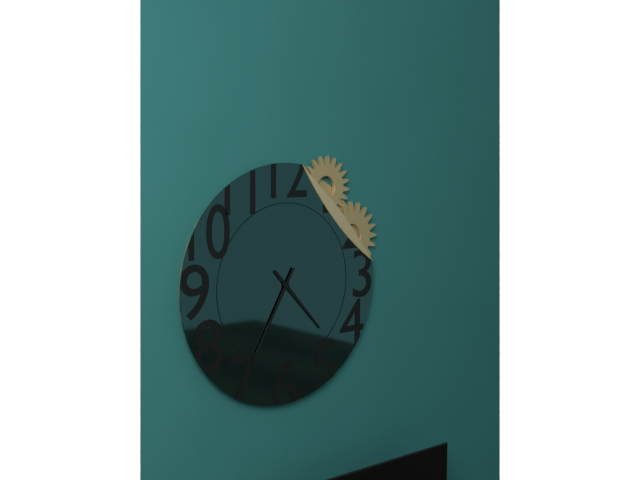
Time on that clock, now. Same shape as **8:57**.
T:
**4:35**
